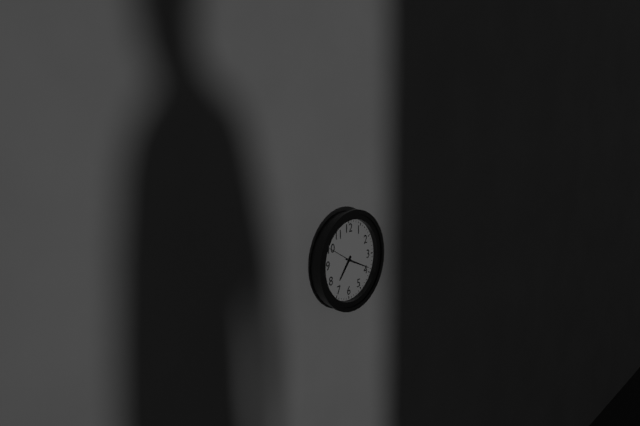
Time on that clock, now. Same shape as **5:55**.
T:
**7:19**
